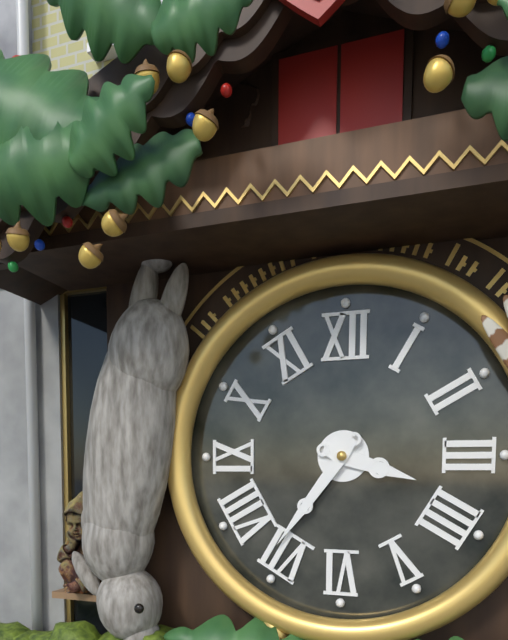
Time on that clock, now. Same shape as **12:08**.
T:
**3:36**
